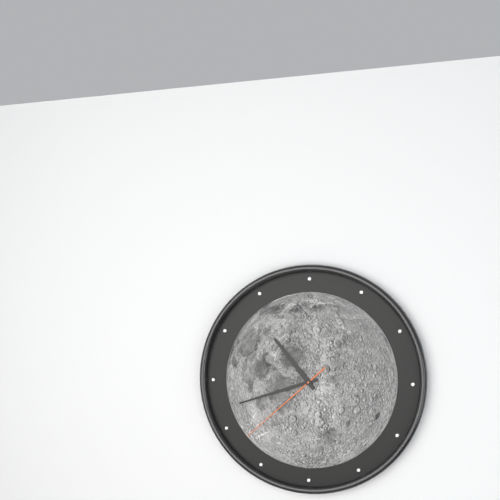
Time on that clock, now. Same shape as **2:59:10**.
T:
**10:42:38**
